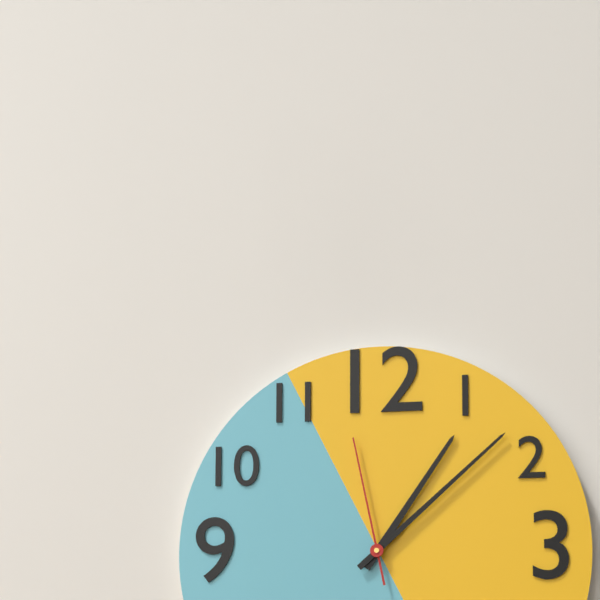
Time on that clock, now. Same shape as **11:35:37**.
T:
**1:08:58**
